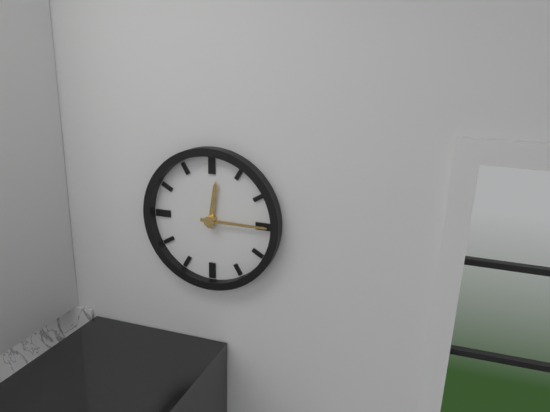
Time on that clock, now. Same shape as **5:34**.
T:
**12:15**
